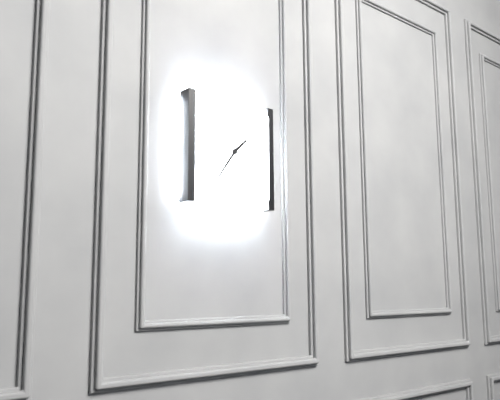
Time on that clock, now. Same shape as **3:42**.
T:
**1:36**
